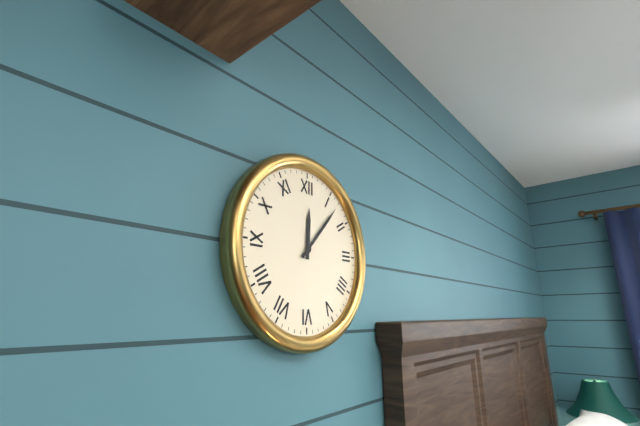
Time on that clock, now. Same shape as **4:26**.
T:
**12:07**
